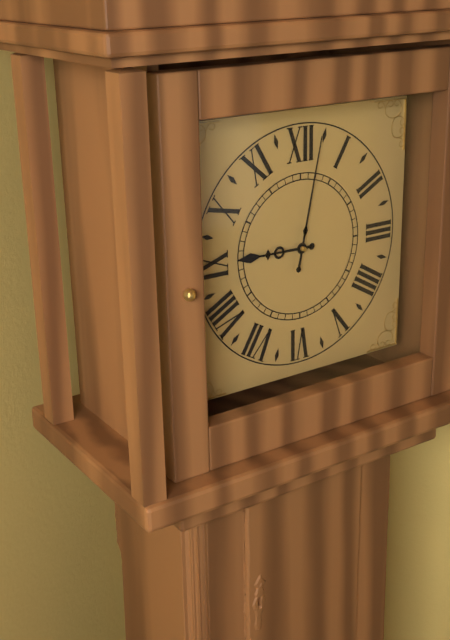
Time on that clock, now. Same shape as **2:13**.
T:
**9:02**
